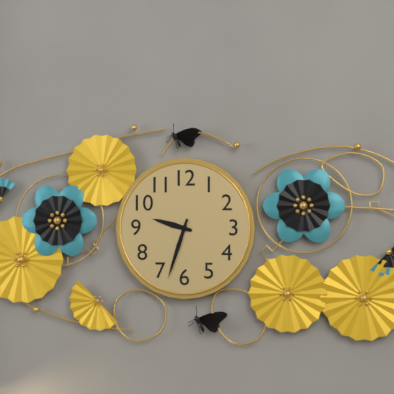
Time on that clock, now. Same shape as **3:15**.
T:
**9:33**
